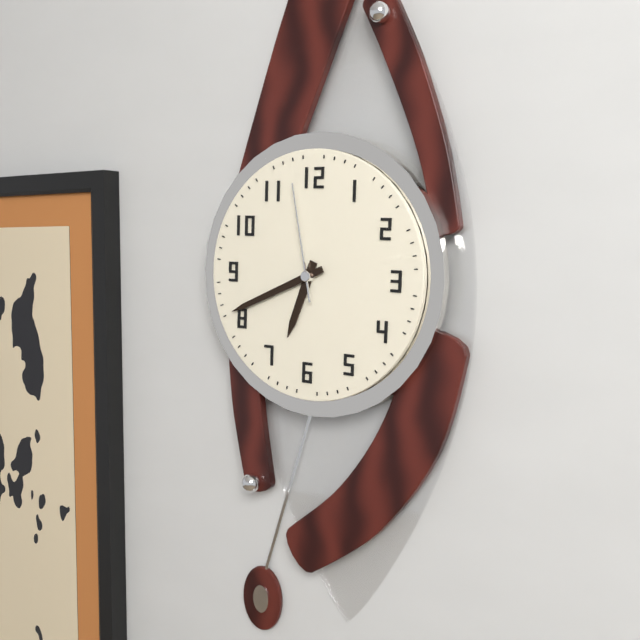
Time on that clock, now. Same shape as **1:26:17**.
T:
**6:41:58**
